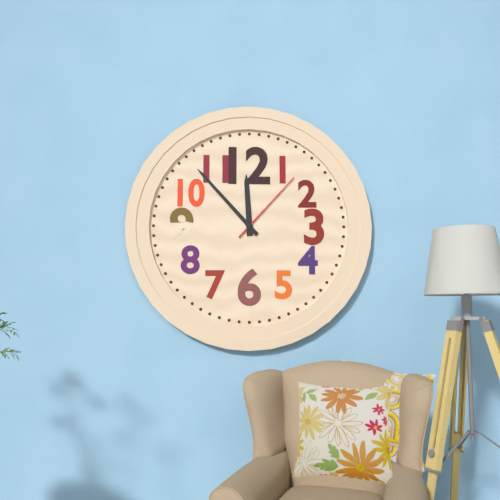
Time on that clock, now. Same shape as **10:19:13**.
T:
**11:53:07**
